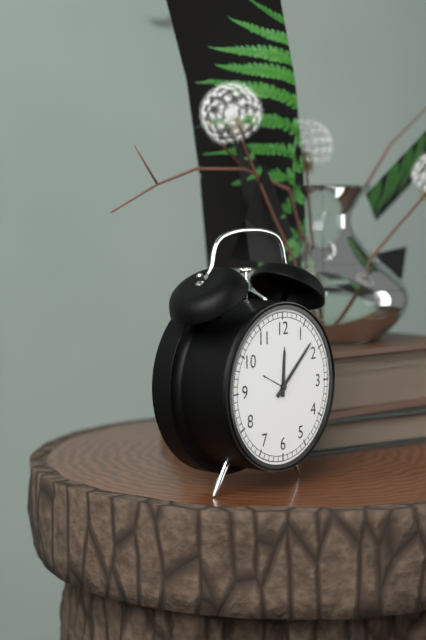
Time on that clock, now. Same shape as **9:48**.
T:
**12:08**
